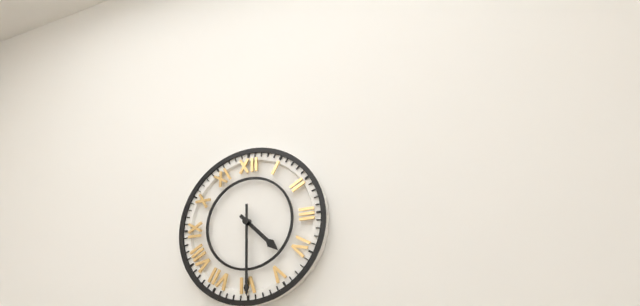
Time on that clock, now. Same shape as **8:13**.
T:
**4:30**
